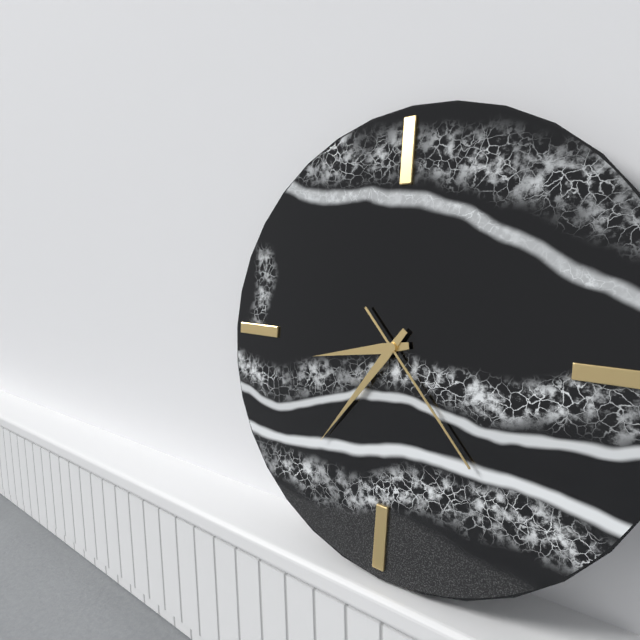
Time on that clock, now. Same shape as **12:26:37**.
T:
**8:36:23**
